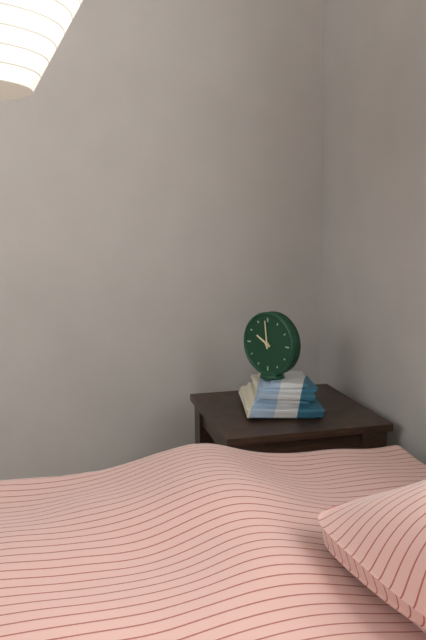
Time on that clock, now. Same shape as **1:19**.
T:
**9:59**
